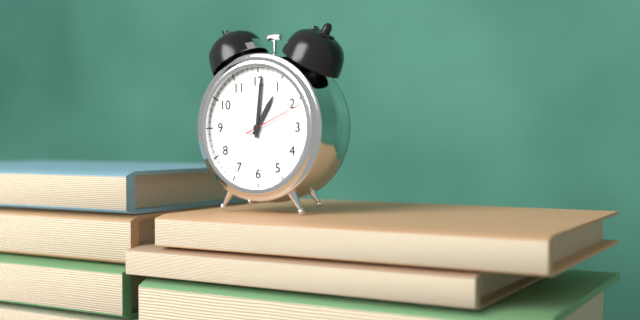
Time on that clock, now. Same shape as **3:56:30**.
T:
**1:01:11**
